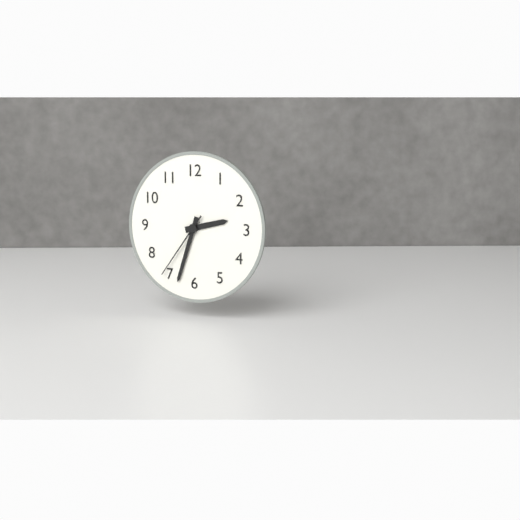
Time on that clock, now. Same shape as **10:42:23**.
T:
**2:33:36**
